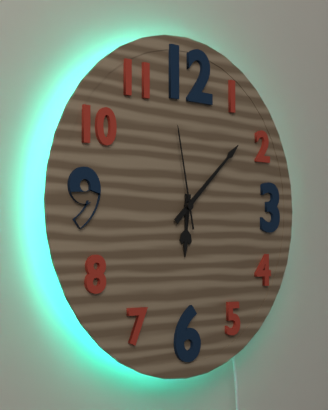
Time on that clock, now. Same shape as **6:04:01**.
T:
**6:08:58**
